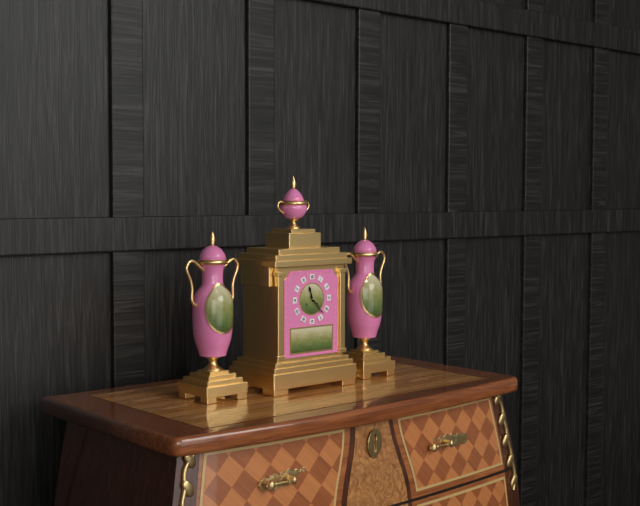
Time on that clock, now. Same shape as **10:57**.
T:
**11:23**
